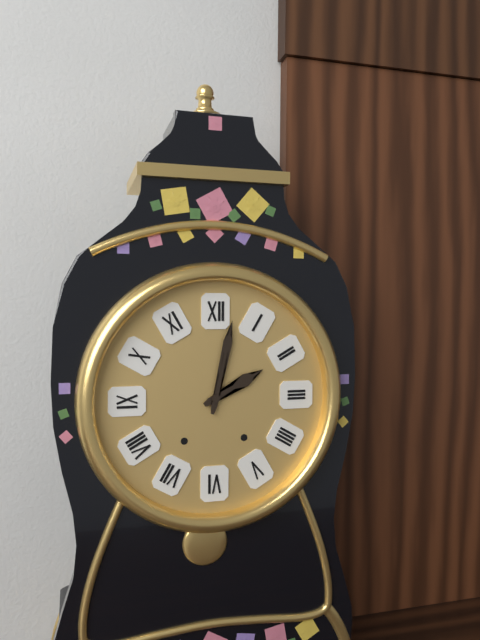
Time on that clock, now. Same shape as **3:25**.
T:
**2:02**
